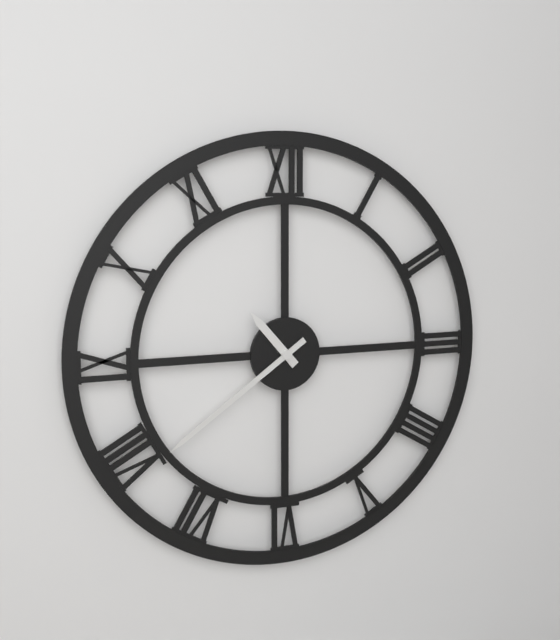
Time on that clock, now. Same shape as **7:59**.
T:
**10:39**
